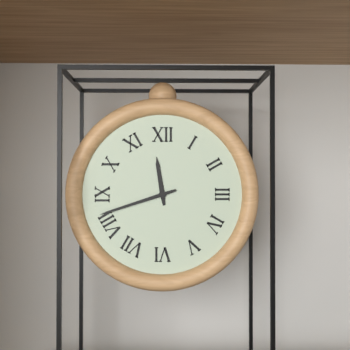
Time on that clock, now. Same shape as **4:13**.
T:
**11:42**
